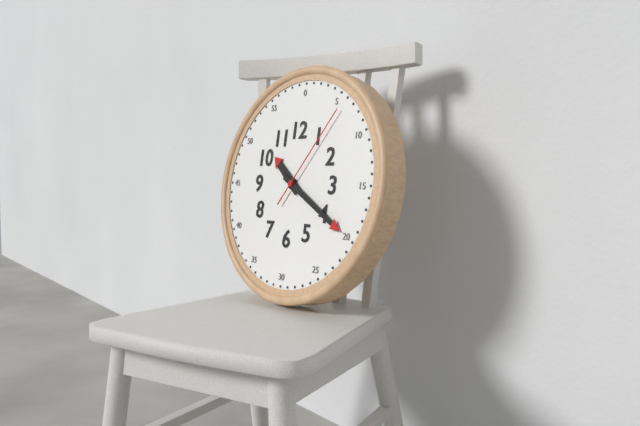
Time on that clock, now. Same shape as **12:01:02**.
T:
**10:20:06**
